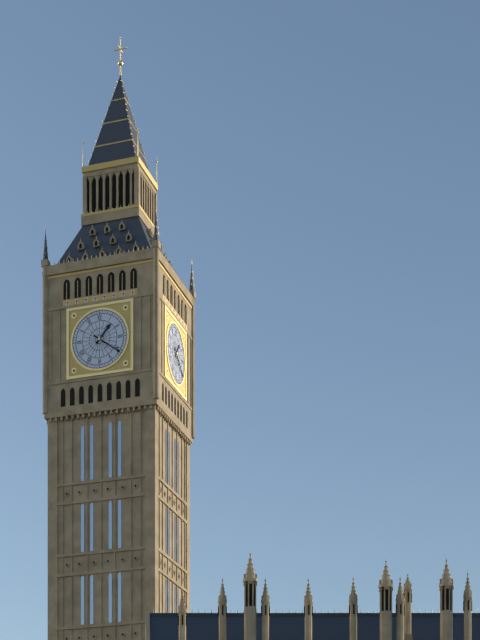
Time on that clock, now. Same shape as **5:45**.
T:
**1:21**
